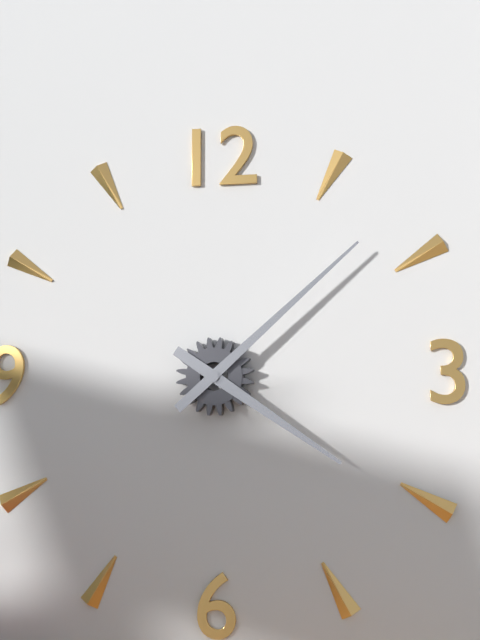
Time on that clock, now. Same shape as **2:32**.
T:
**4:08**
